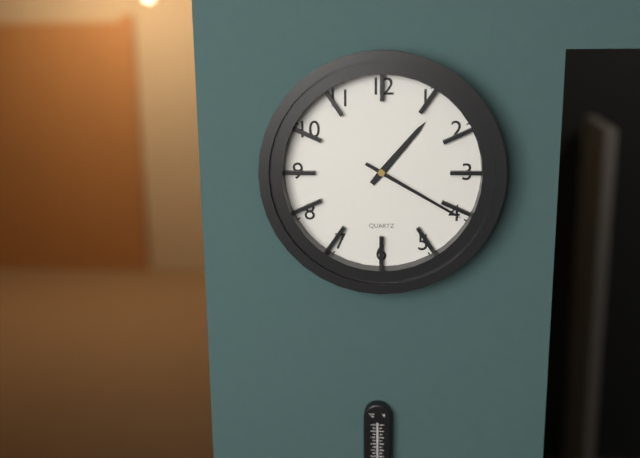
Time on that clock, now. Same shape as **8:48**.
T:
**1:20**
